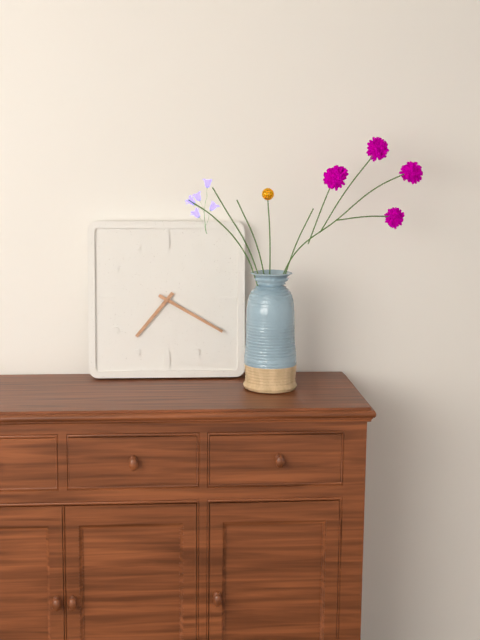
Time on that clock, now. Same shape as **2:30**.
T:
**7:20**
